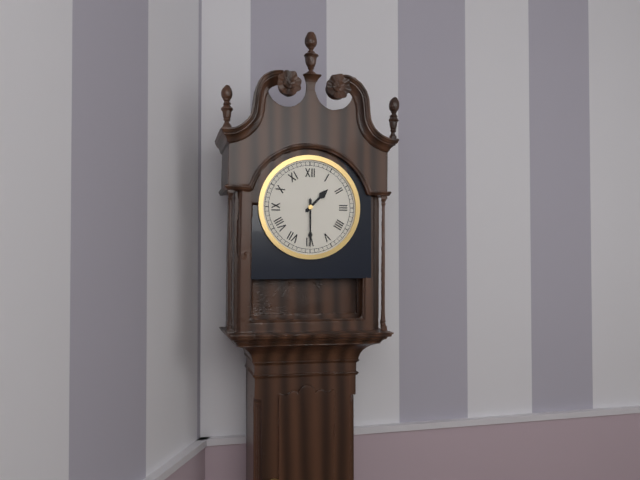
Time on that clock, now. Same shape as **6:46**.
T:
**1:30**
